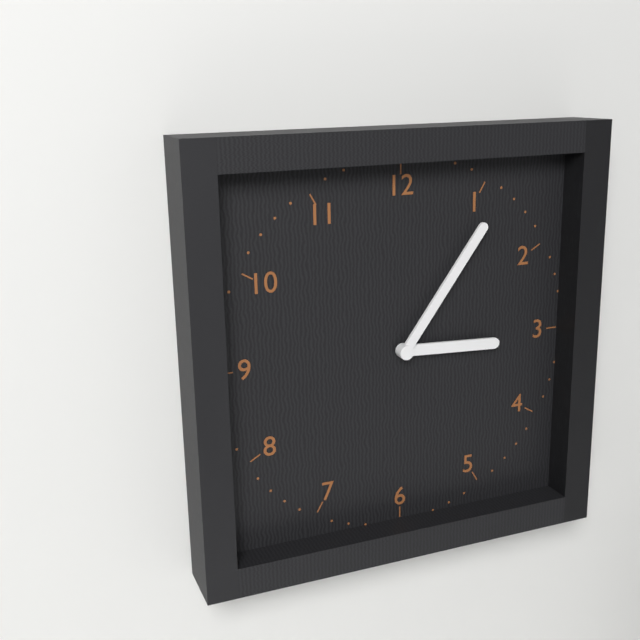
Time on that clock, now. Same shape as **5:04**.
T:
**3:06**
